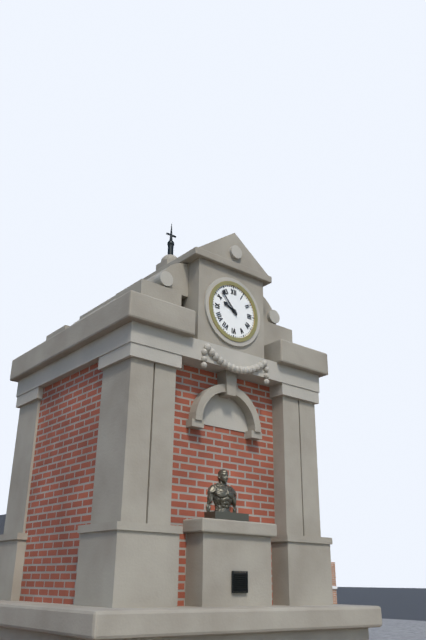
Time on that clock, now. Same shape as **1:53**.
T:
**9:53**
